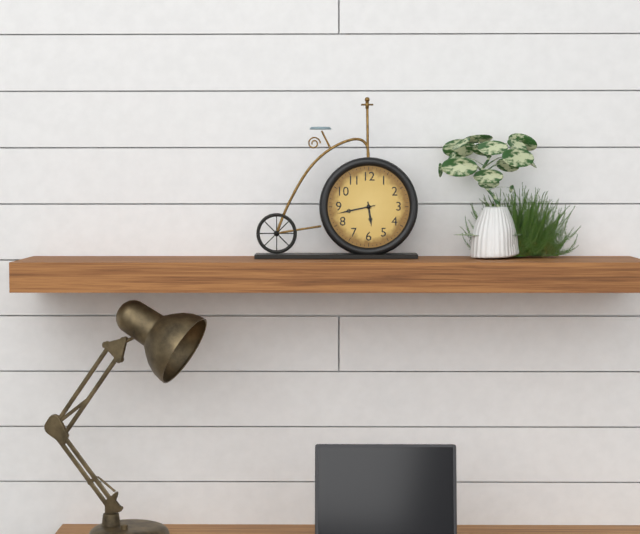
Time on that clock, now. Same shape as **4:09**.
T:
**5:43**
